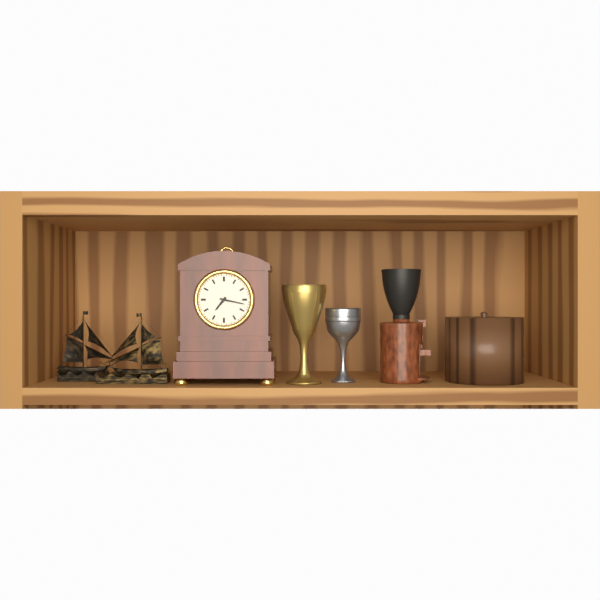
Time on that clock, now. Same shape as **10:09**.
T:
**7:17**
